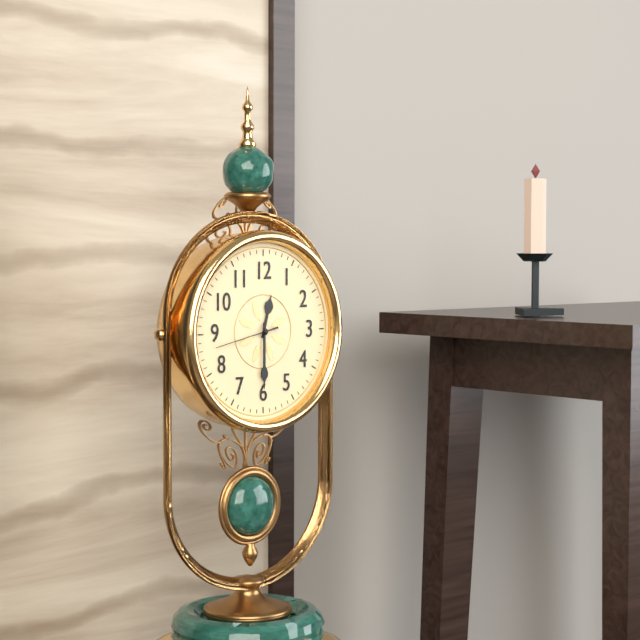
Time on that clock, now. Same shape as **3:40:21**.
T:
**12:30:43**
